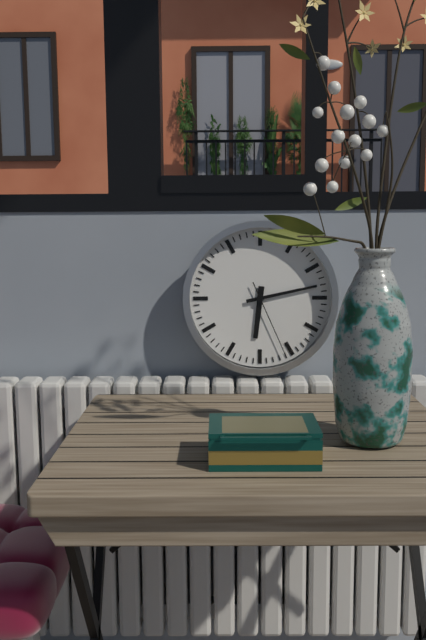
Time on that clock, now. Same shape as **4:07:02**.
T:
**6:13:26**
